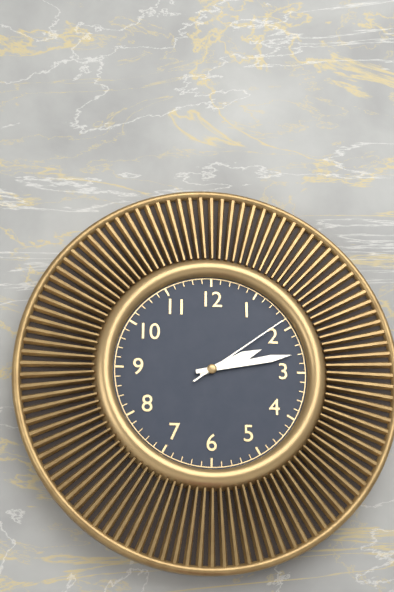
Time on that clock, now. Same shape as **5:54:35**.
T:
**2:13:09**
